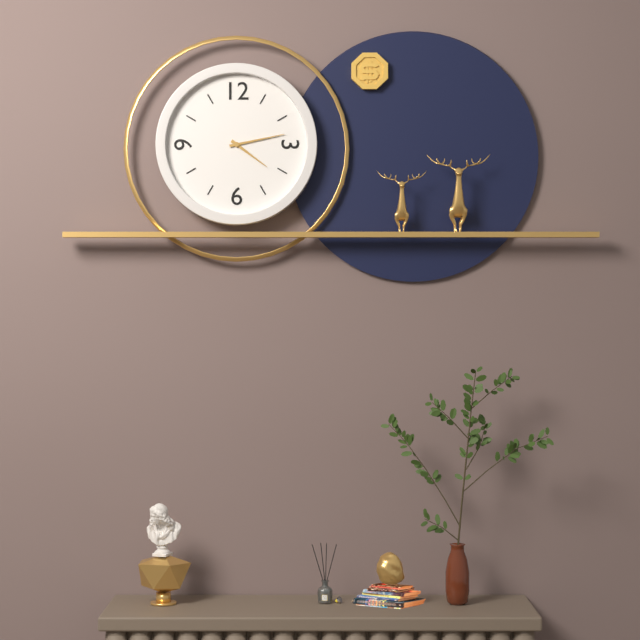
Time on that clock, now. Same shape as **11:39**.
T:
**4:13**
